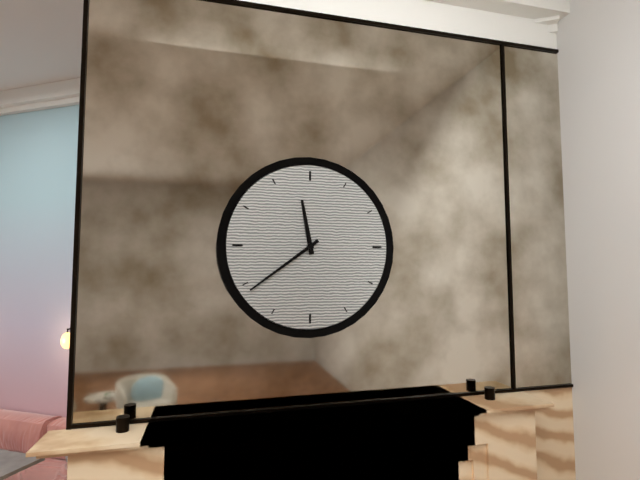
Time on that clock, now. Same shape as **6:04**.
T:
**11:39**
